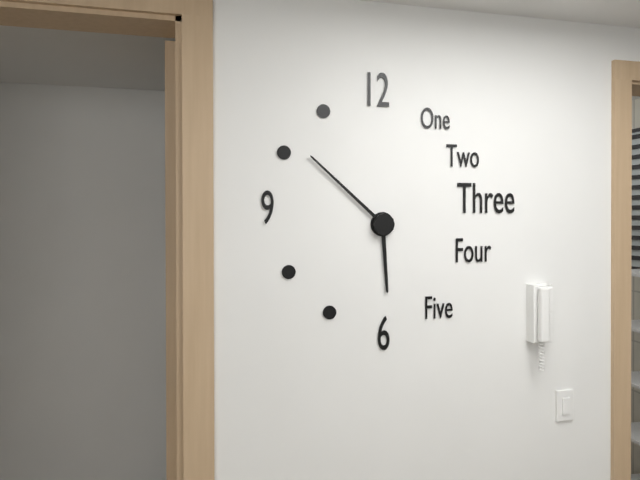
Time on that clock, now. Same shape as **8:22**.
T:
**5:52**
